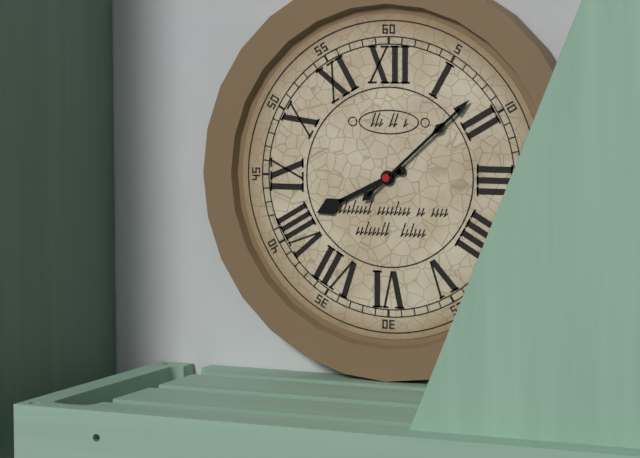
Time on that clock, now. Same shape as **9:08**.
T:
**8:08**
